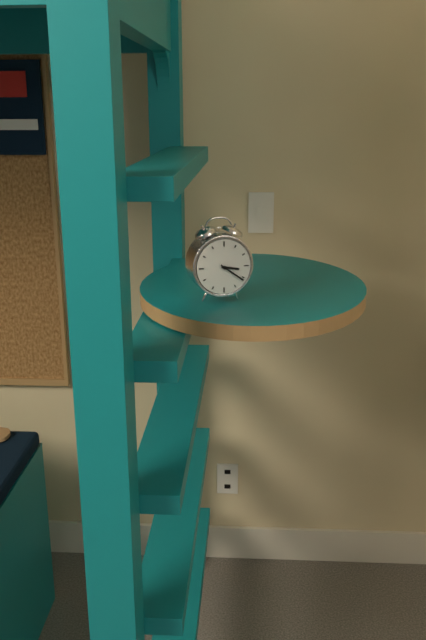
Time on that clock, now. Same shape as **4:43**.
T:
**3:21**
